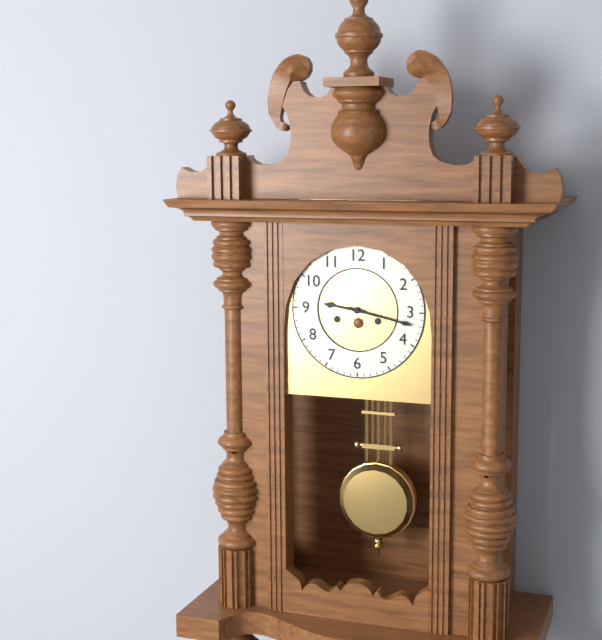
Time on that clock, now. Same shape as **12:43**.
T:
**9:17**
